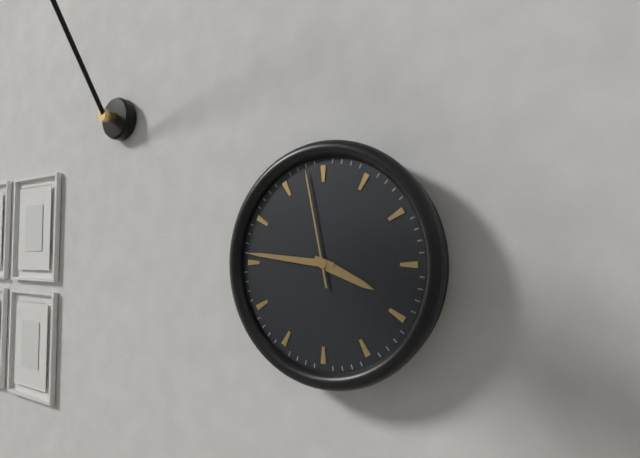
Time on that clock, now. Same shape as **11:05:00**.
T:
**3:46:58**
